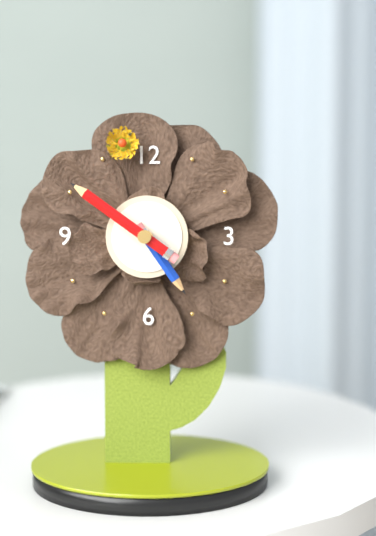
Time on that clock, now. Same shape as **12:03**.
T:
**4:51**
